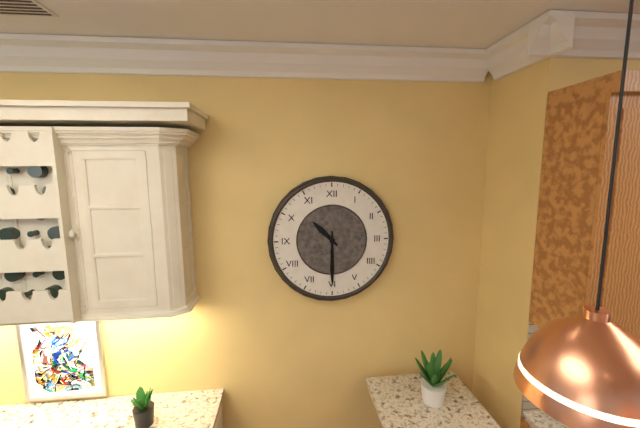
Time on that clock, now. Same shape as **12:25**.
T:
**10:30**
